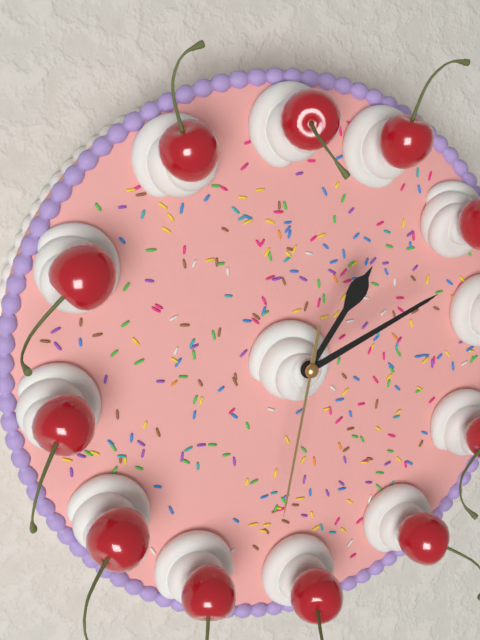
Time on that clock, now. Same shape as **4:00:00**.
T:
**1:11:32**
